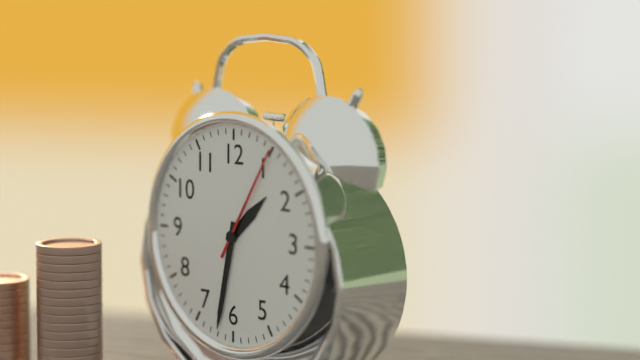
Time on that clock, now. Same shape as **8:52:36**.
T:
**1:32:05**
